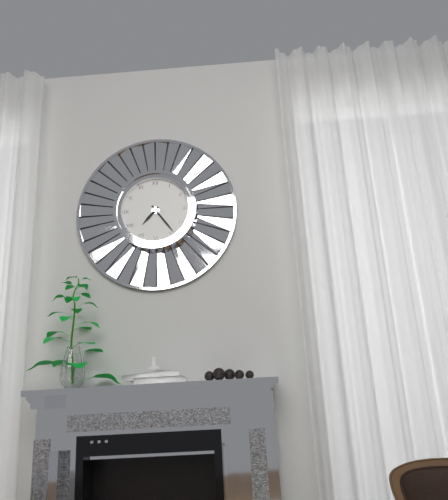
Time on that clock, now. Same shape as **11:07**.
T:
**7:24**
